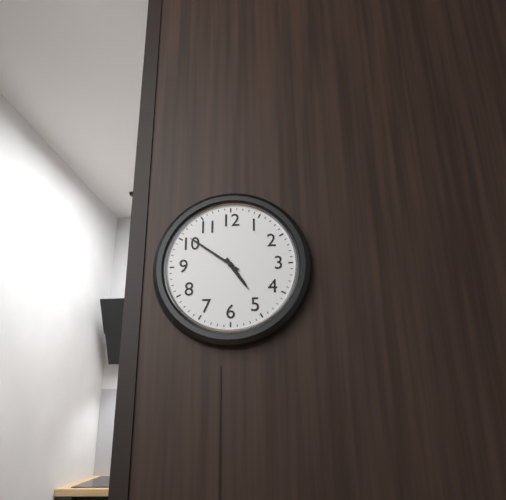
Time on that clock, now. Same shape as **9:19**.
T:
**4:51**
